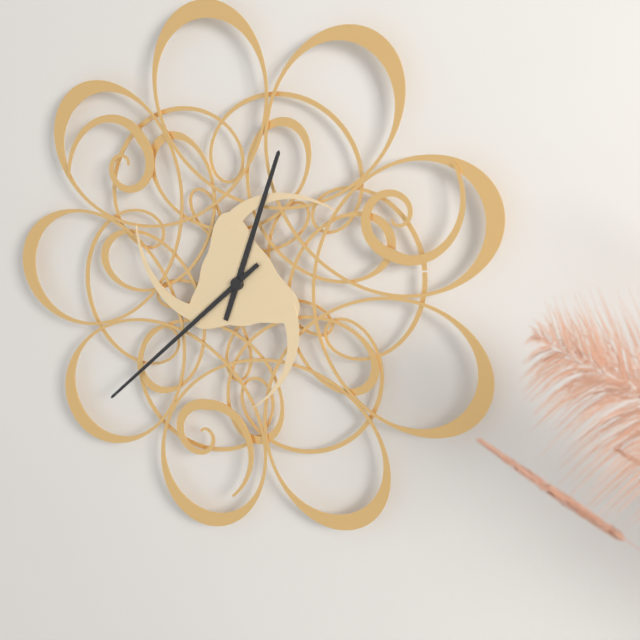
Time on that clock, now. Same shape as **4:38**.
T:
**12:38**
